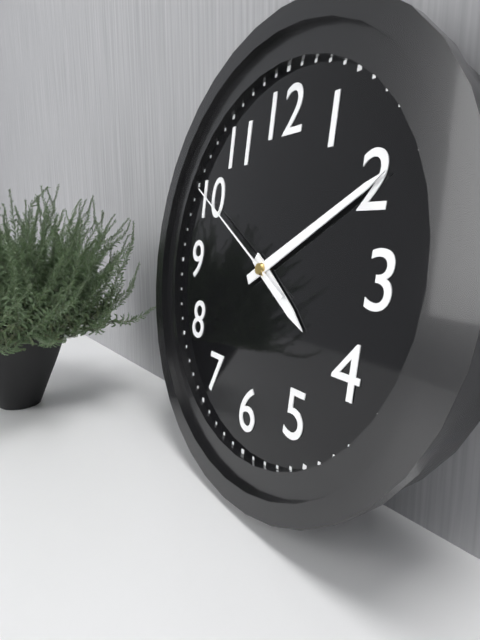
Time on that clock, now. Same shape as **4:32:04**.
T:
**4:10:50**
